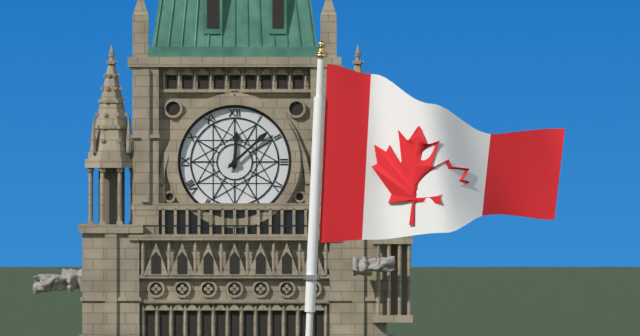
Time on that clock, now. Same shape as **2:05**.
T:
**12:08**
